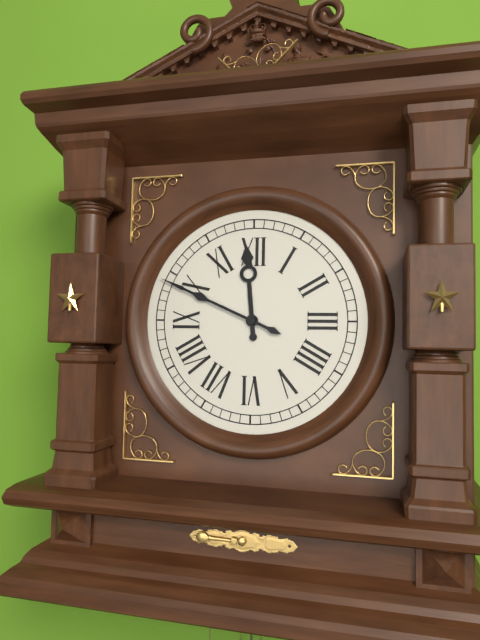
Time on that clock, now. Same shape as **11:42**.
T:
**11:49**
